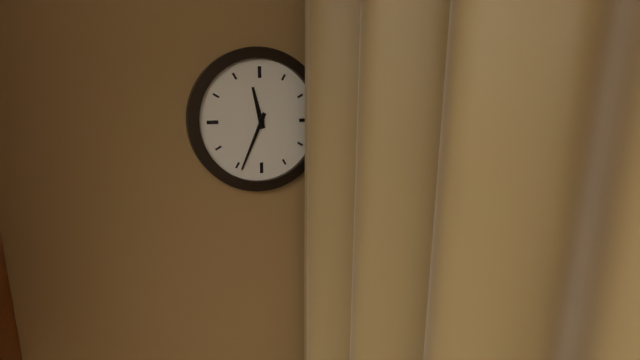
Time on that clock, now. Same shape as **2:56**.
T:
**11:34**
